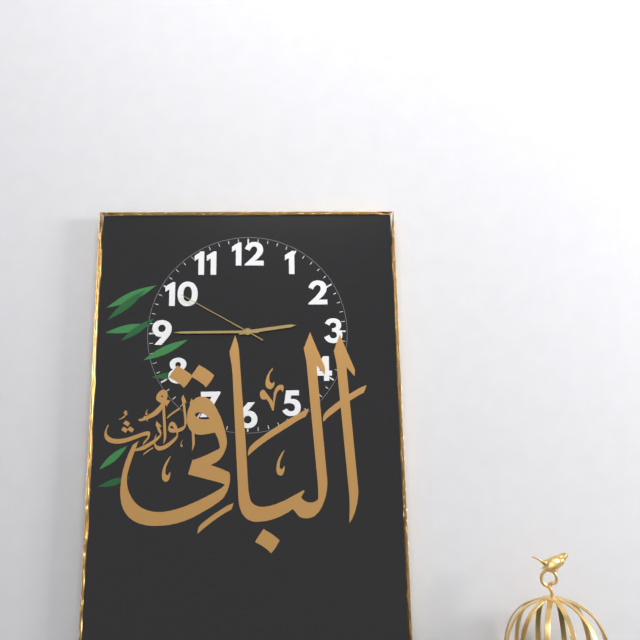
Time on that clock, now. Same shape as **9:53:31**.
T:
**2:45:50**
